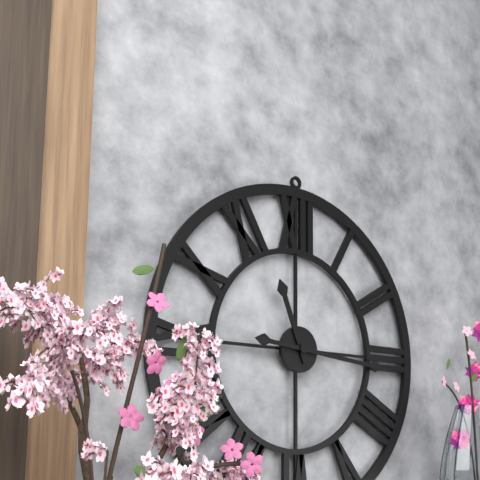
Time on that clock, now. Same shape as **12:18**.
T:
**11:16**
